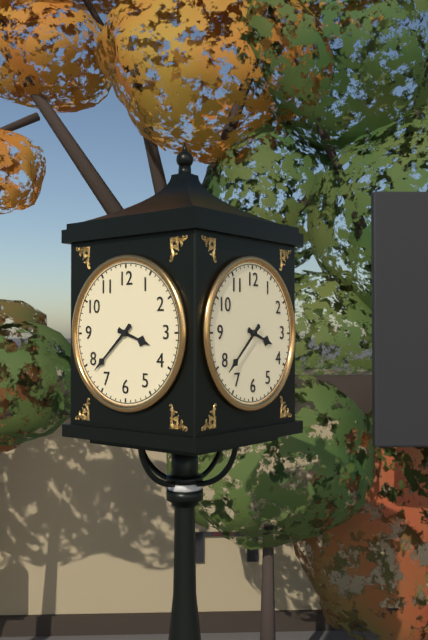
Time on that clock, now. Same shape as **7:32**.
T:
**3:38**
